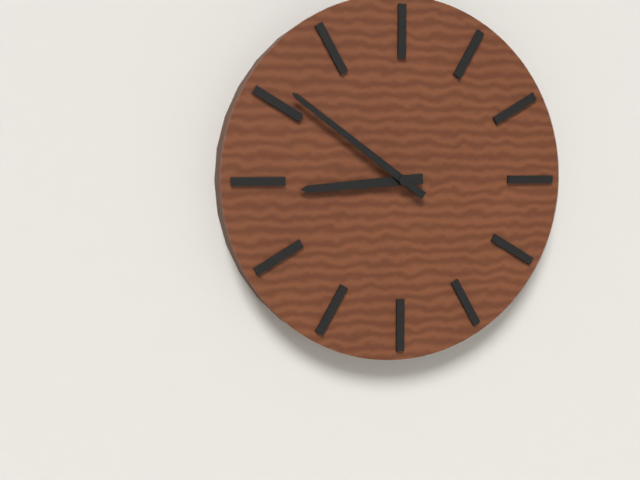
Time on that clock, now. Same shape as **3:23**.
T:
**8:51**
